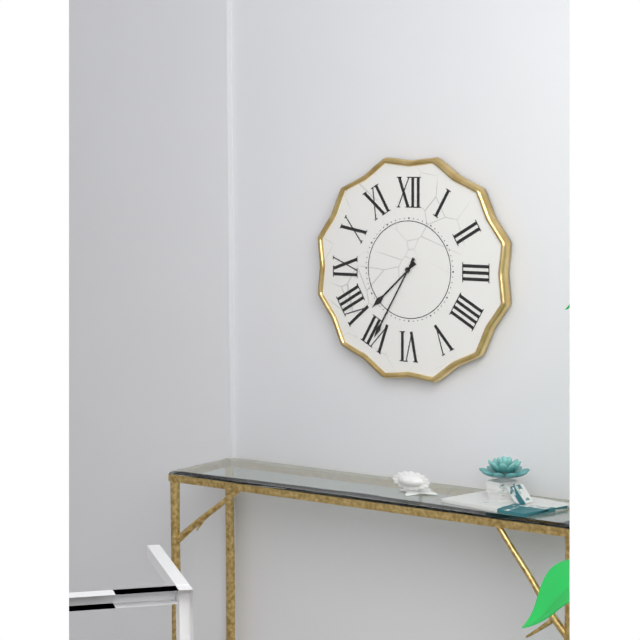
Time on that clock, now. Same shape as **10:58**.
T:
**7:35**
